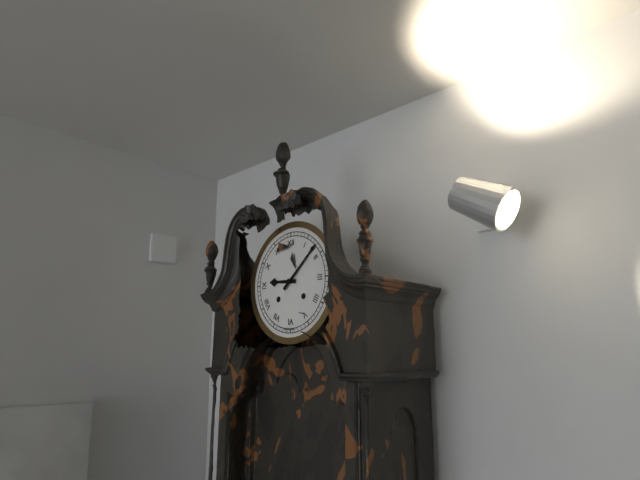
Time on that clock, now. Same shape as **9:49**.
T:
**9:08**
